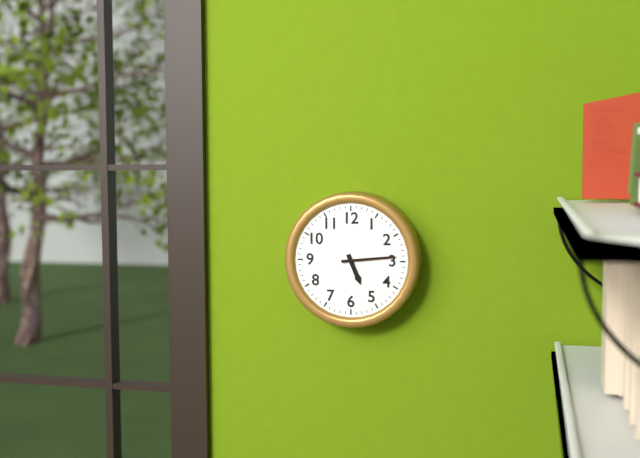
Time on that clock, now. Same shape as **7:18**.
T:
**5:14**
